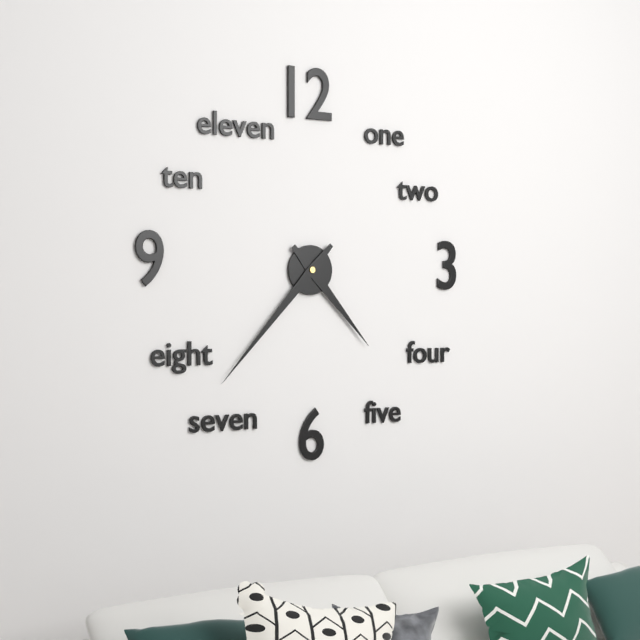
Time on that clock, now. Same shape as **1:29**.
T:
**4:37**
